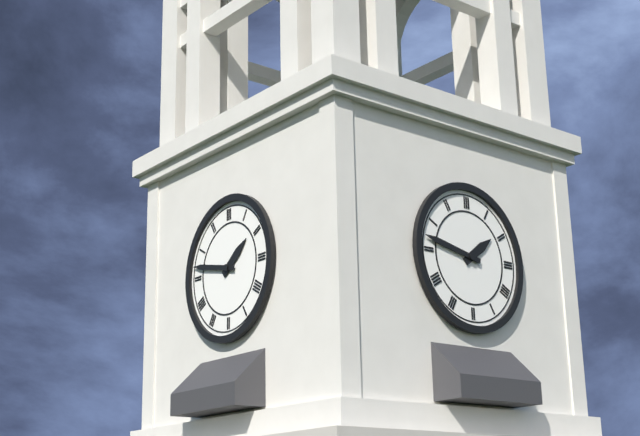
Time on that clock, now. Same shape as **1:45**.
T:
**1:47**
